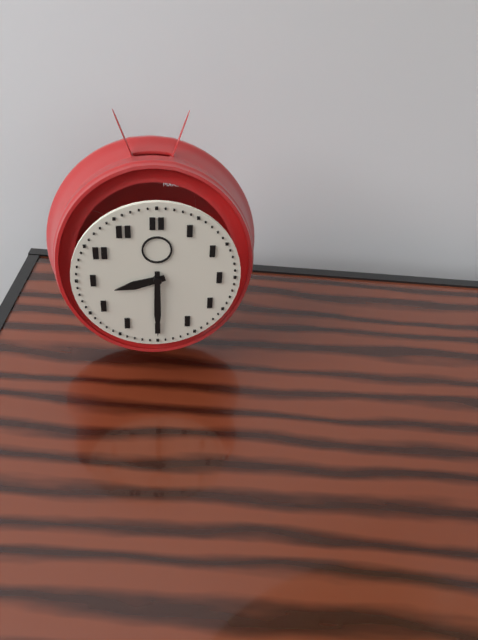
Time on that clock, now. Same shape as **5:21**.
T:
**8:30**
